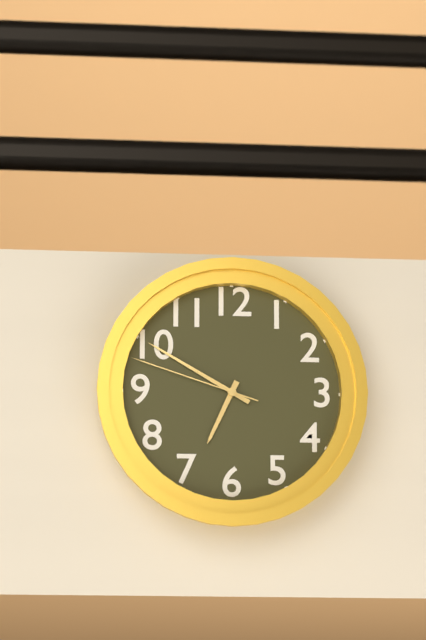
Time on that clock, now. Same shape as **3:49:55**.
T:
**6:50:48**
